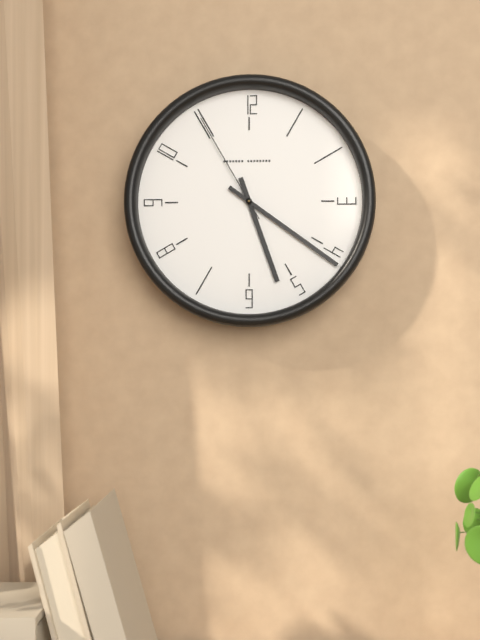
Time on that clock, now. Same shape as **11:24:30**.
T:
**5:21:55**
